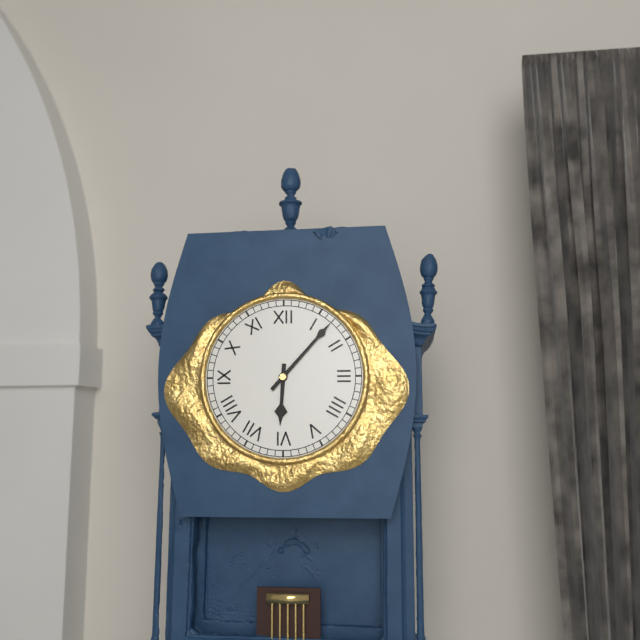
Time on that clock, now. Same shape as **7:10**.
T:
**6:07**
